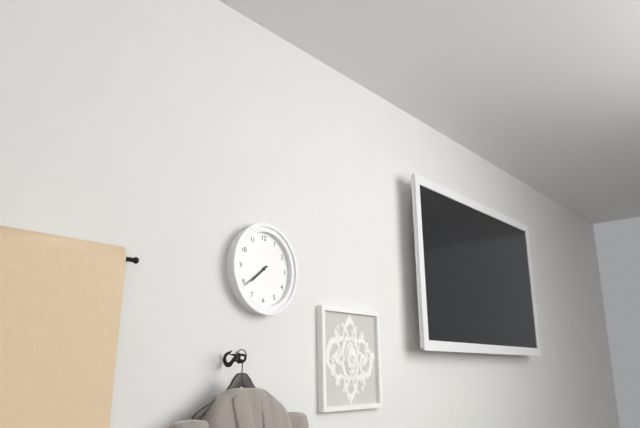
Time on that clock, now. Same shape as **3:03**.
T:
**7:39**
